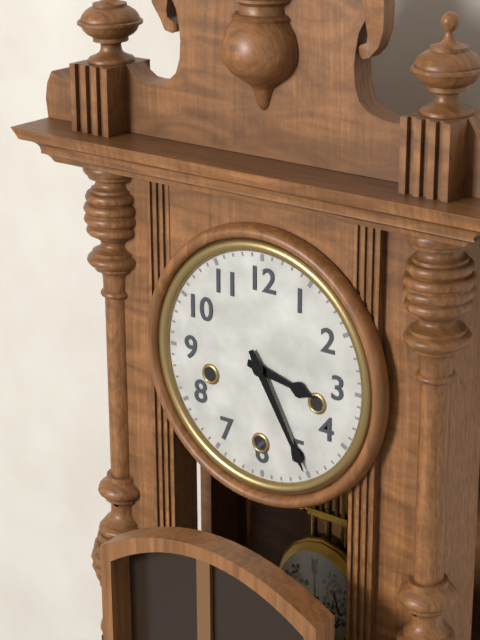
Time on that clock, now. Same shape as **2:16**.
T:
**3:25**
